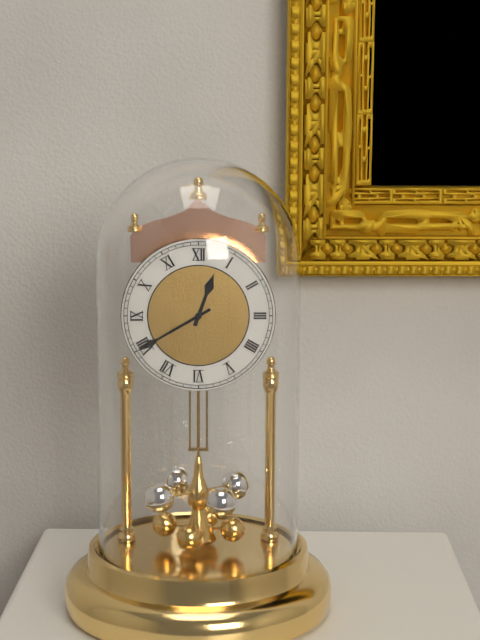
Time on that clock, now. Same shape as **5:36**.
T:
**12:40**
